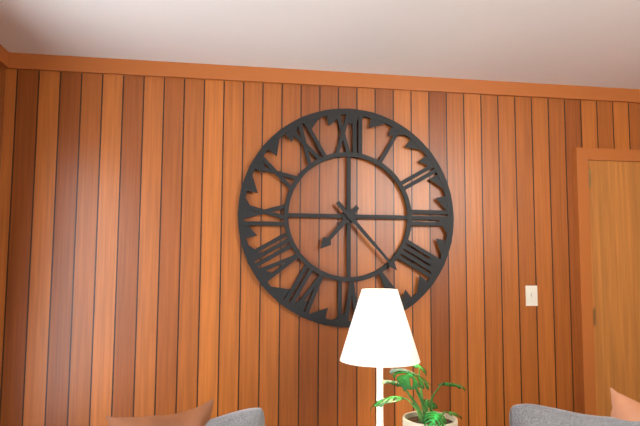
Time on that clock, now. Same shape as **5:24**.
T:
**7:23**
